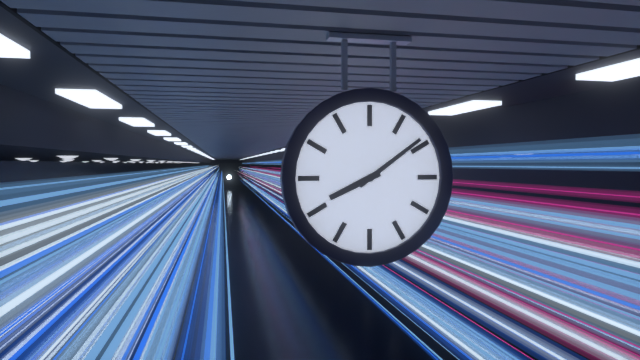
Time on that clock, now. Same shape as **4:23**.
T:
**8:09**
